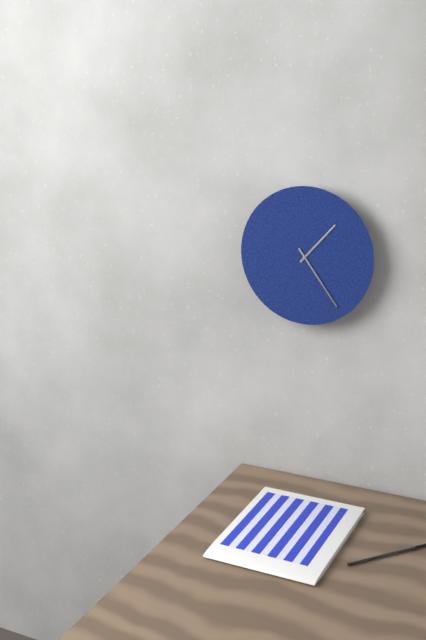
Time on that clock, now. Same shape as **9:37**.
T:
**1:24**
